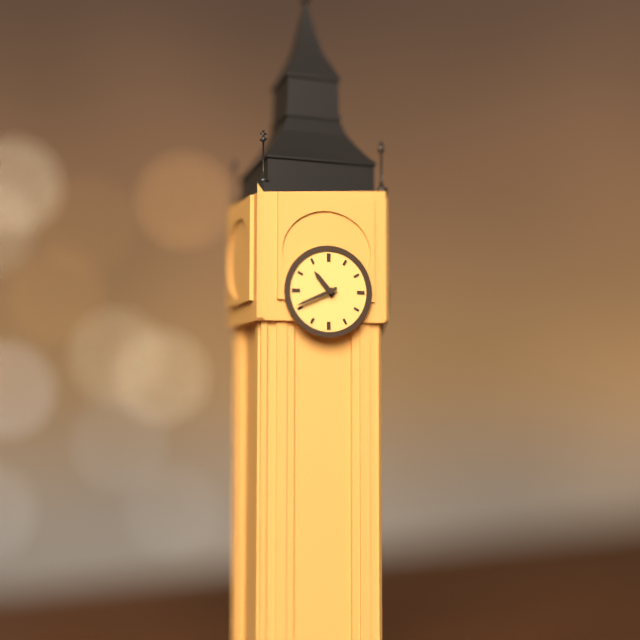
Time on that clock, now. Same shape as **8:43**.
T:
**10:41**
